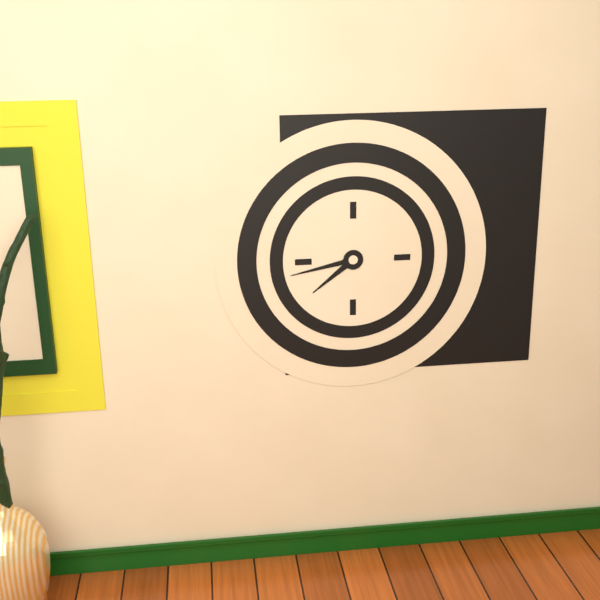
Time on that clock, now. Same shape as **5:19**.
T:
**7:43**
